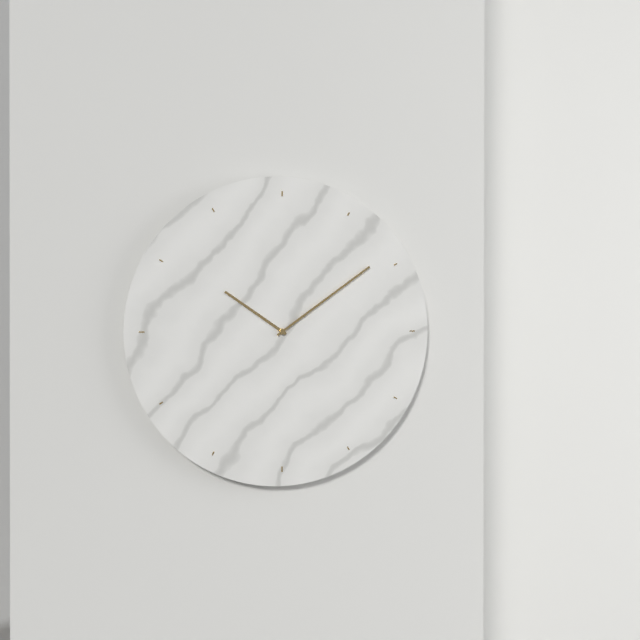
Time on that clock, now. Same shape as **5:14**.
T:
**10:09**
